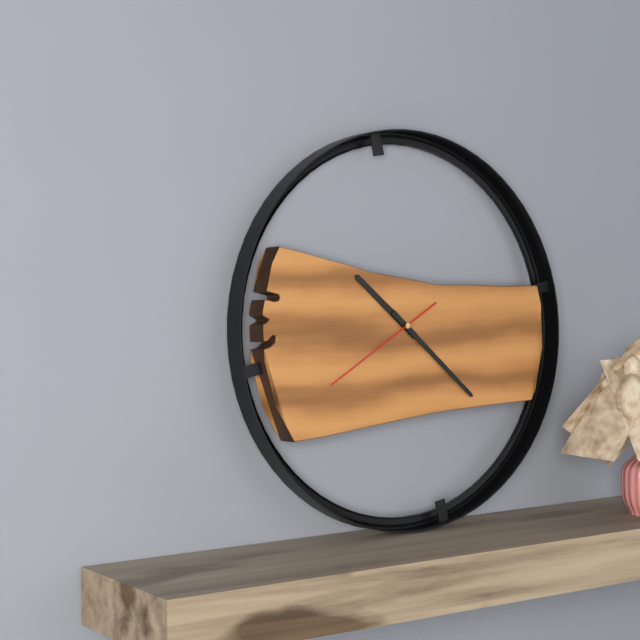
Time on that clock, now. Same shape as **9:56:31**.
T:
**10:22:40**
